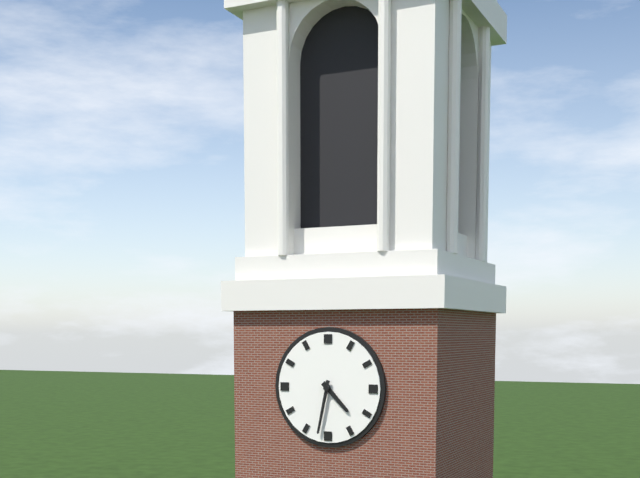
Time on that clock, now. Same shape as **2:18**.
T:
**4:32**
